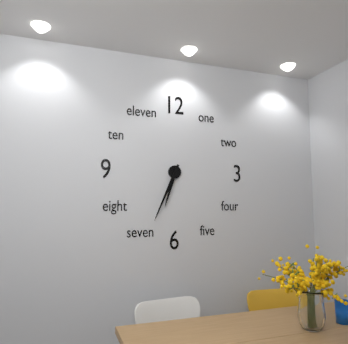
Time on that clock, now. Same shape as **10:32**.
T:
**6:34**
